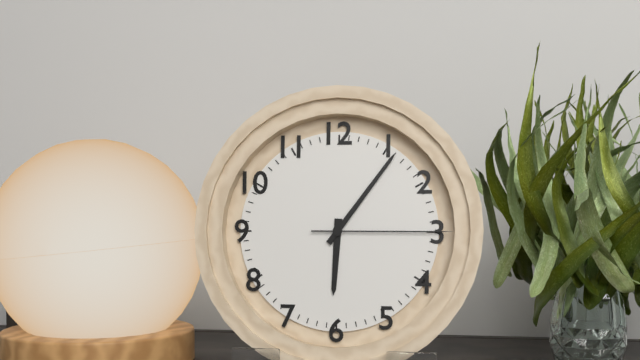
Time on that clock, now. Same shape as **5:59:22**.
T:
**6:06:15**
